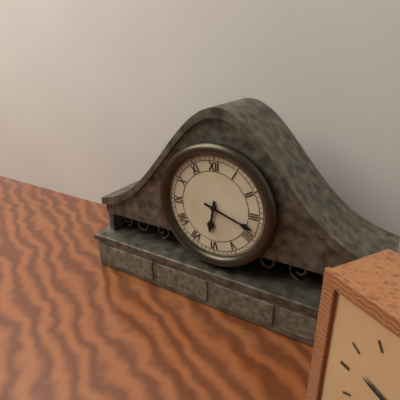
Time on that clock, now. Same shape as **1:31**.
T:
**6:18**
